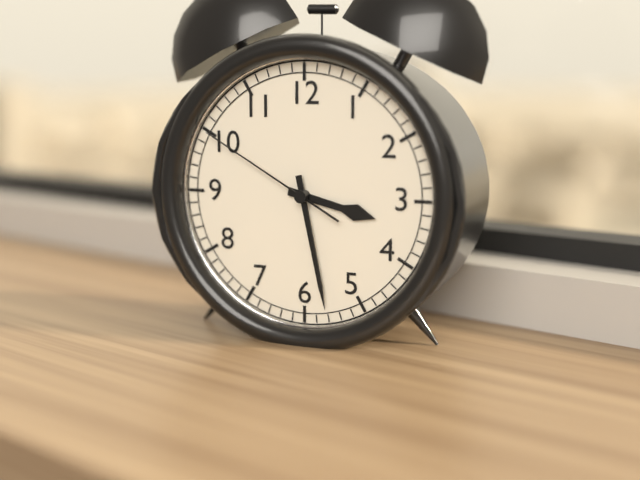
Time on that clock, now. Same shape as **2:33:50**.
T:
**3:28:50**
